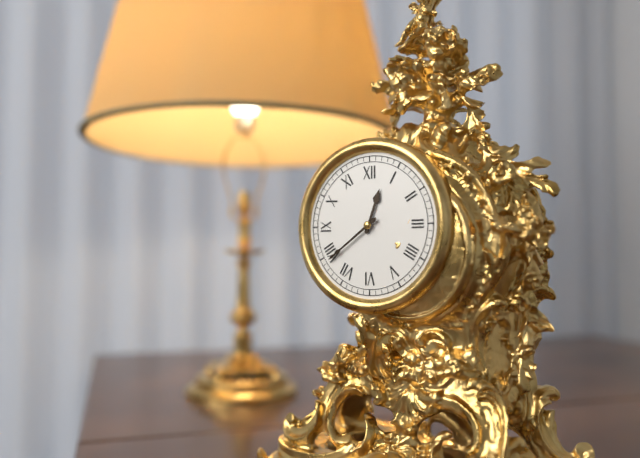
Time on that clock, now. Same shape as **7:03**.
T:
**12:39**
